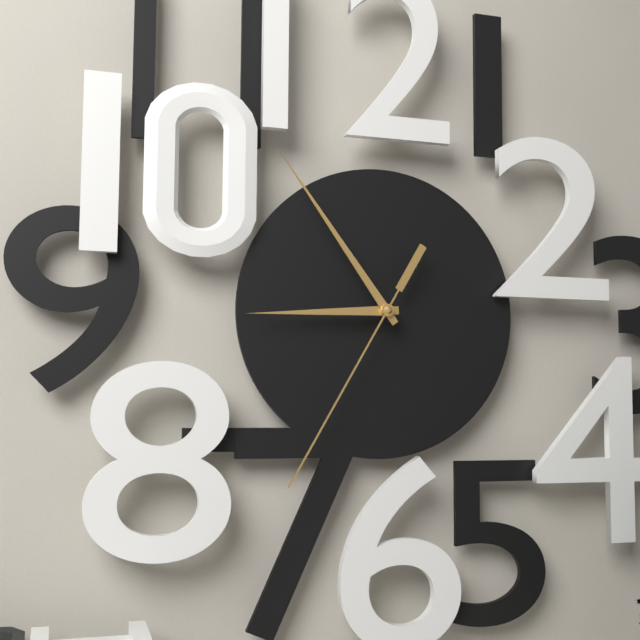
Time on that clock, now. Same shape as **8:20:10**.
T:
**8:54:35**
